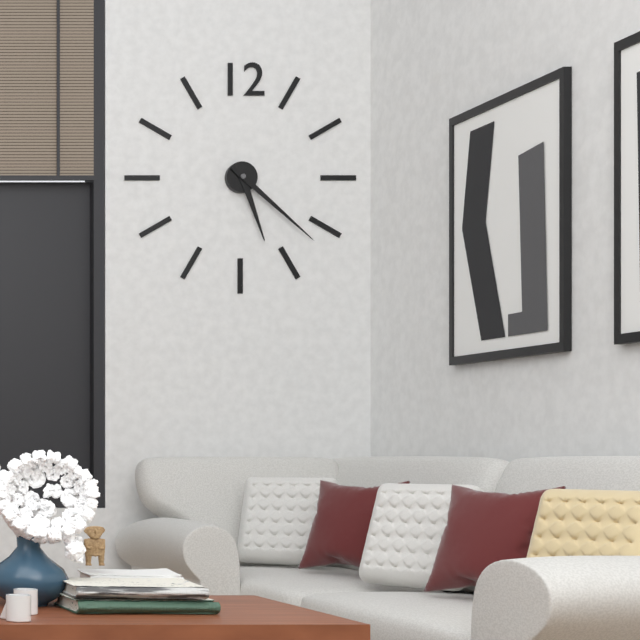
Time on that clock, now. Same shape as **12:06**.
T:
**5:22**
